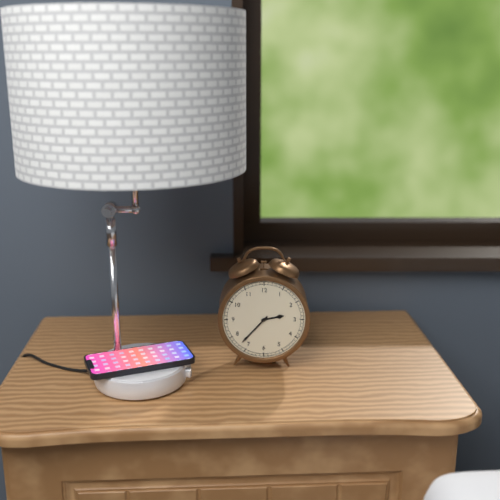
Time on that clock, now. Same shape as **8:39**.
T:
**2:37**
